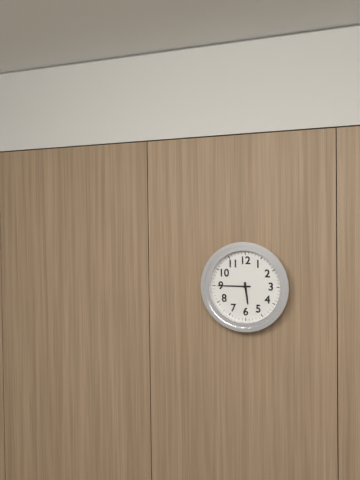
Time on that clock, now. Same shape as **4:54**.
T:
**5:45**
